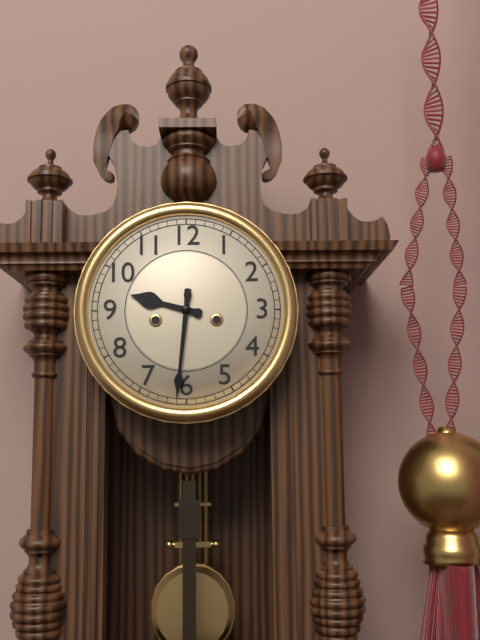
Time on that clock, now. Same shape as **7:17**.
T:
**9:31**
